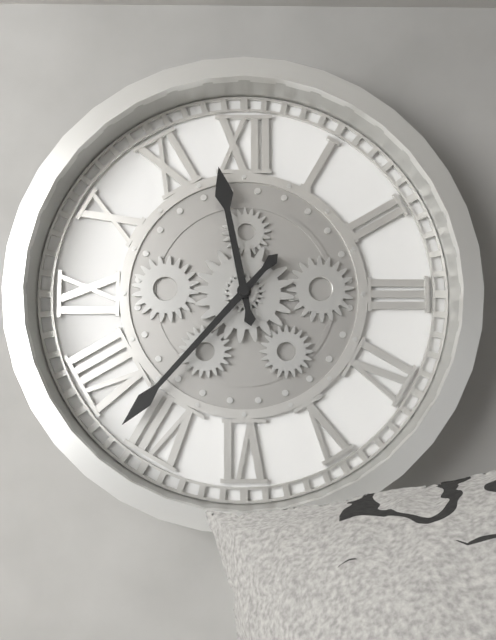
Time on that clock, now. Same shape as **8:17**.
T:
**11:37**
